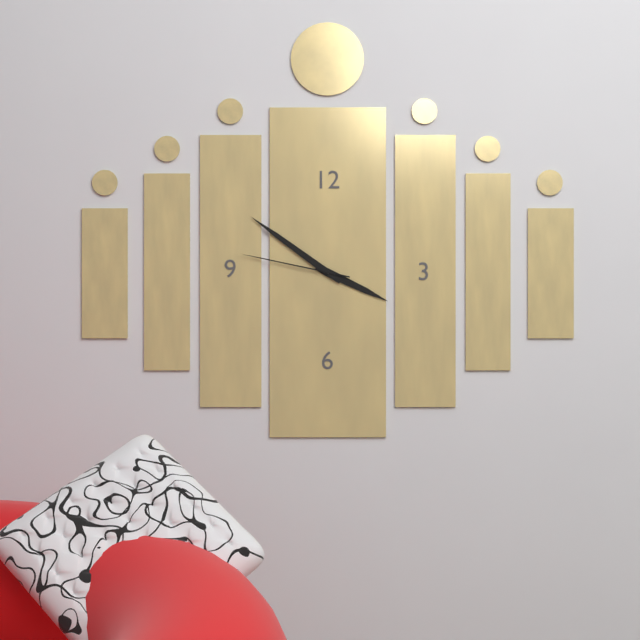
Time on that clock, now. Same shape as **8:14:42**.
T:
**3:51:47**
